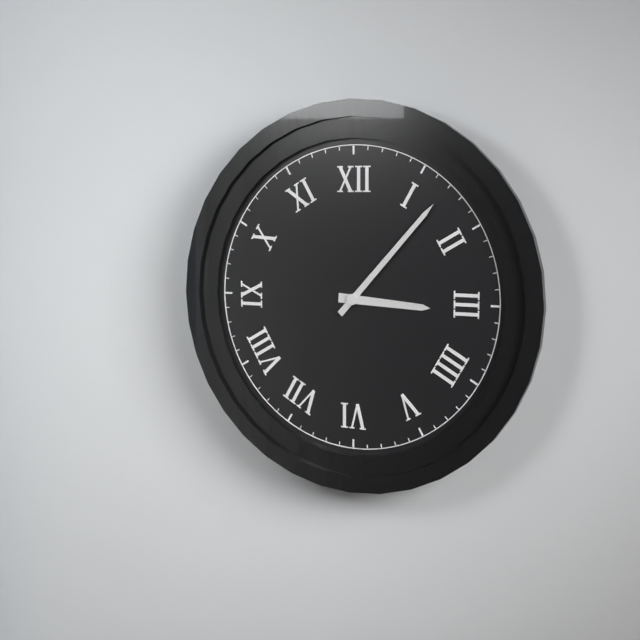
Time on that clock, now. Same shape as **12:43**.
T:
**3:07**
